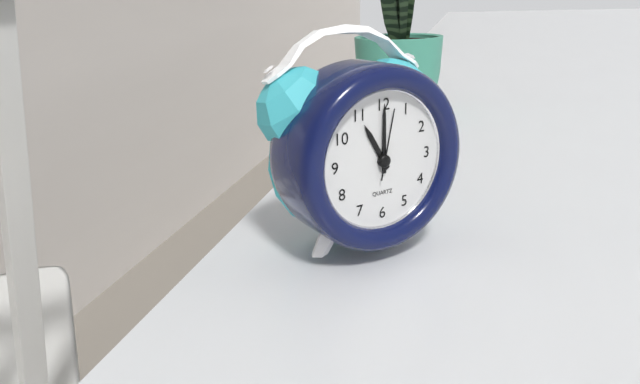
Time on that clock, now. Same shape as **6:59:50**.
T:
**11:00:02**
